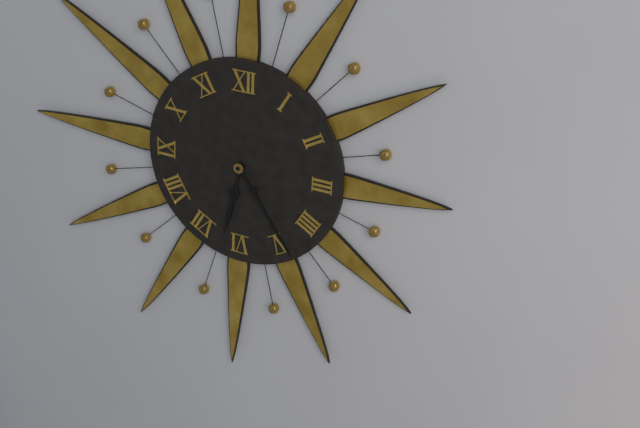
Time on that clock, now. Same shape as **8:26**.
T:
**6:24**
